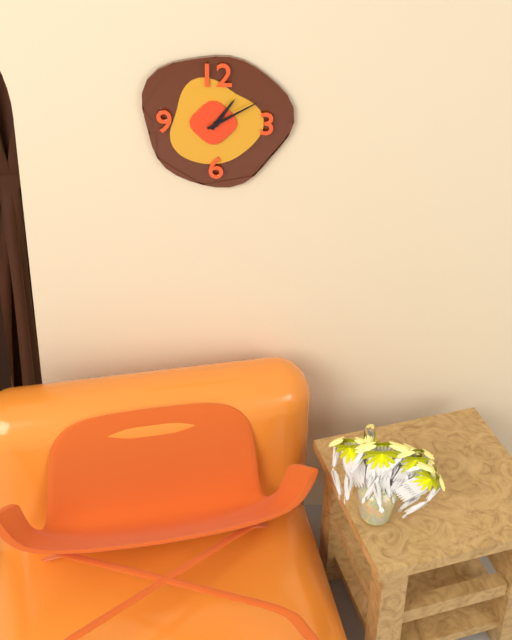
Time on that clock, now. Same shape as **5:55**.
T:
**1:10**
